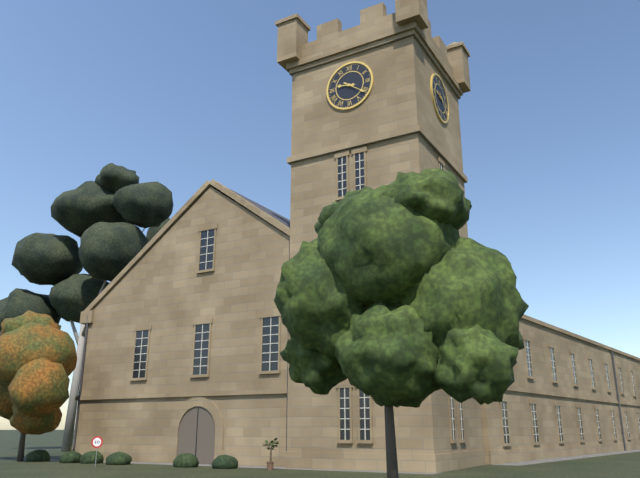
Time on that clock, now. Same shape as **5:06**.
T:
**9:21**
